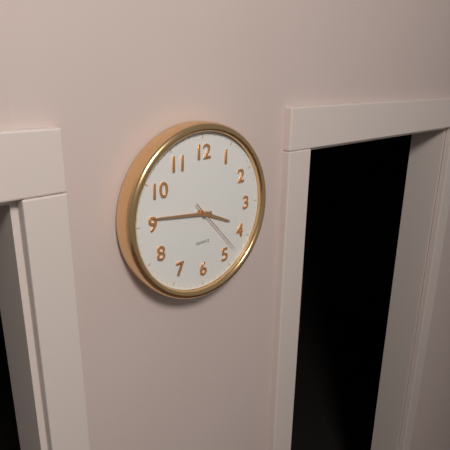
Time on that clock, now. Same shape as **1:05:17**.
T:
**3:46:23**
